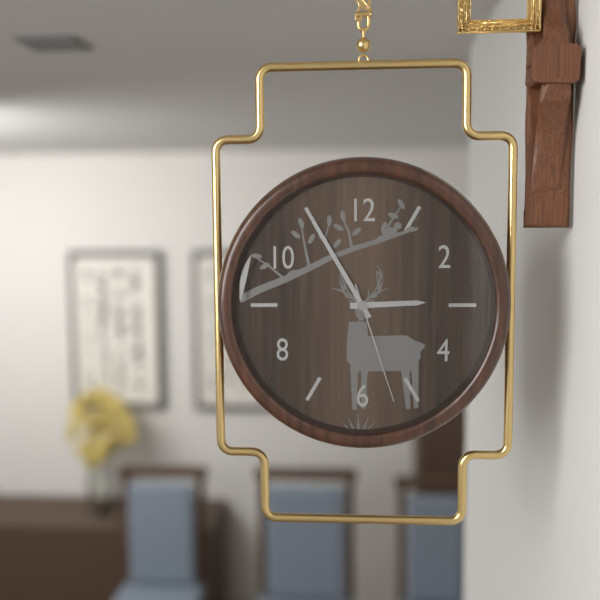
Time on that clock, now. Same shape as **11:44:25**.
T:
**2:55:27**
